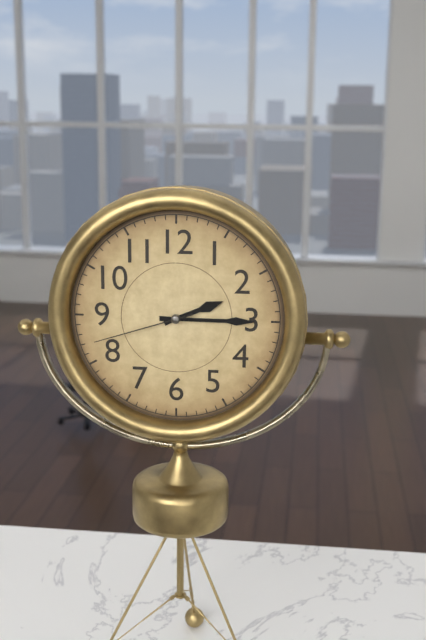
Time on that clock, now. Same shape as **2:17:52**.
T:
**2:15:42**
